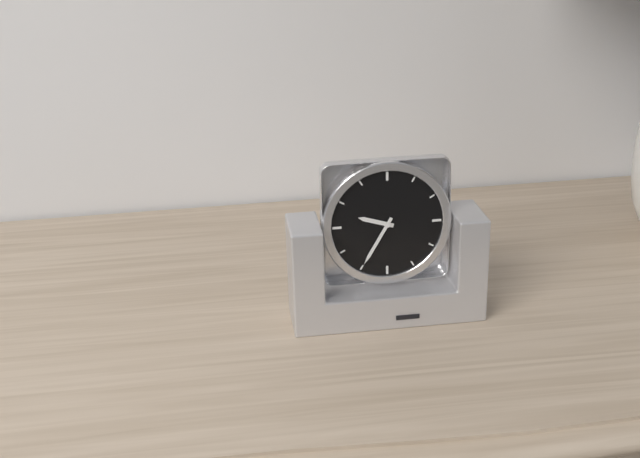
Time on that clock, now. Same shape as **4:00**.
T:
**9:35**
